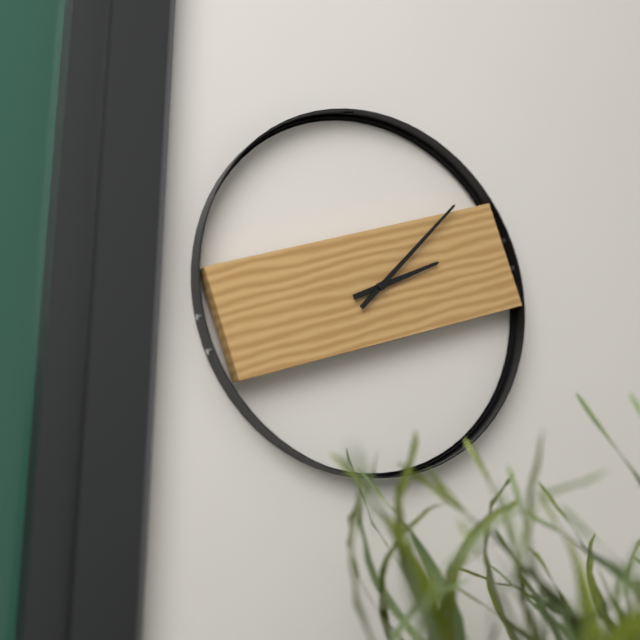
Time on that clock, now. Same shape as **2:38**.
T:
**2:07**
